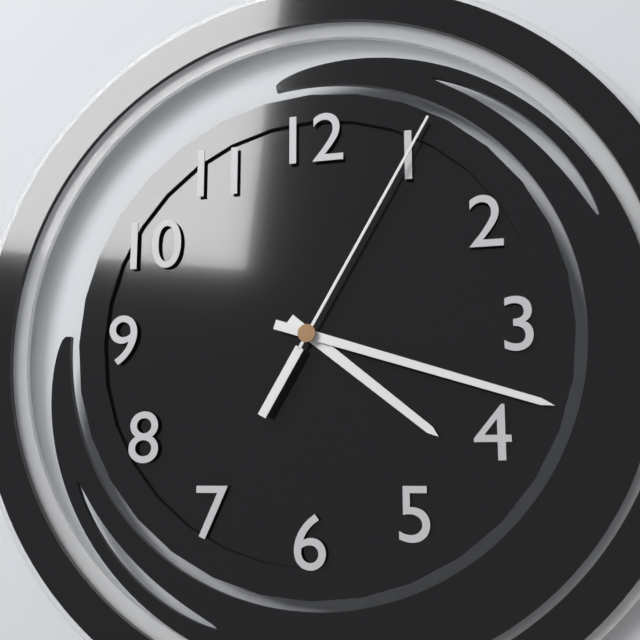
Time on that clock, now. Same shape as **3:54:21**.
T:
**4:18:05**
